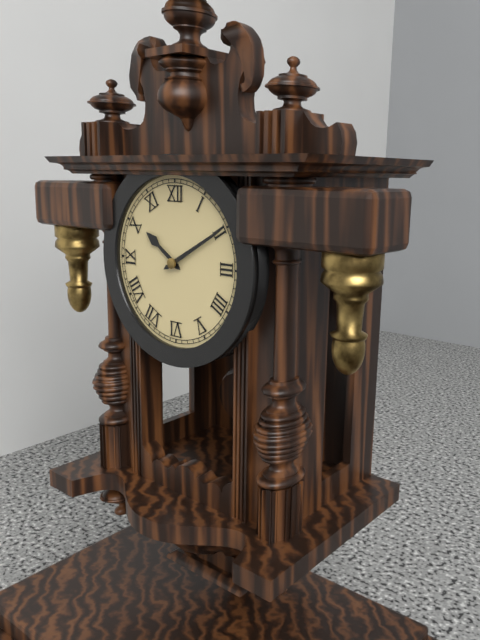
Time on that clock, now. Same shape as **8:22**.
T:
**10:10**
